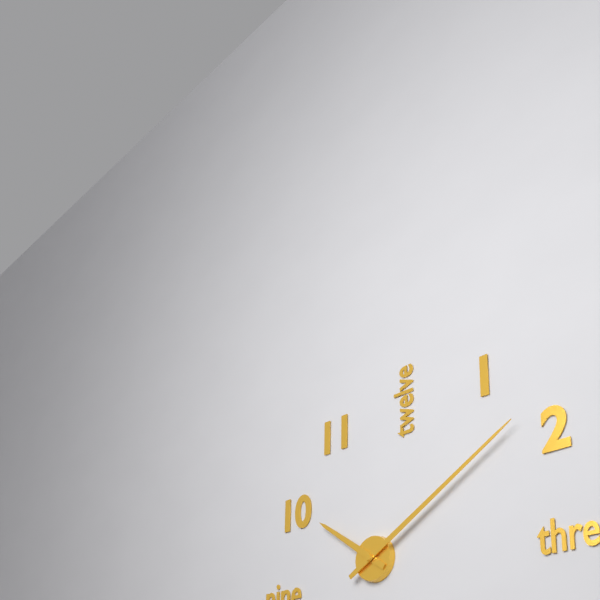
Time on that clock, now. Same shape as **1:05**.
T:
**10:10**
